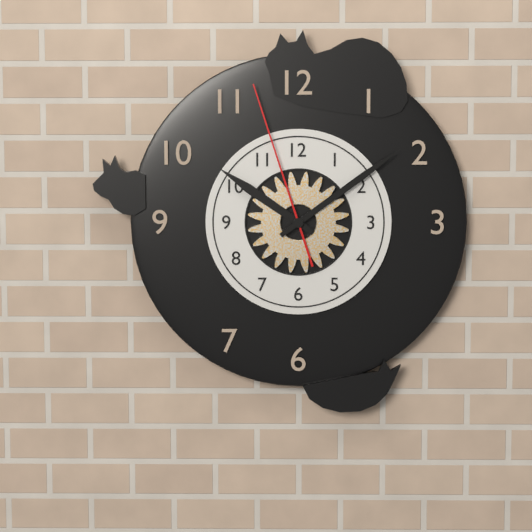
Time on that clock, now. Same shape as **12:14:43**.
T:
**10:09:57**
